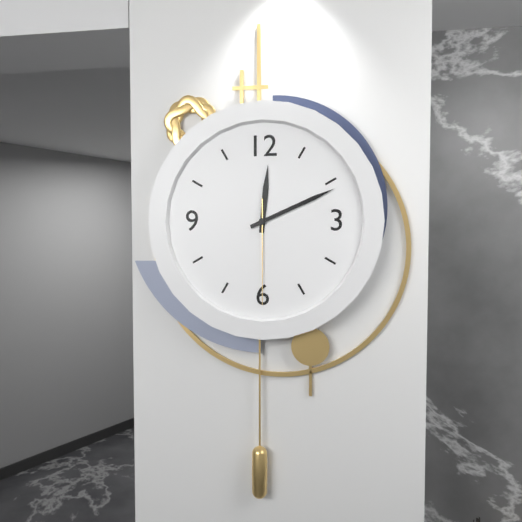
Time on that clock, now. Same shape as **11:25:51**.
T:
**12:11:30**
